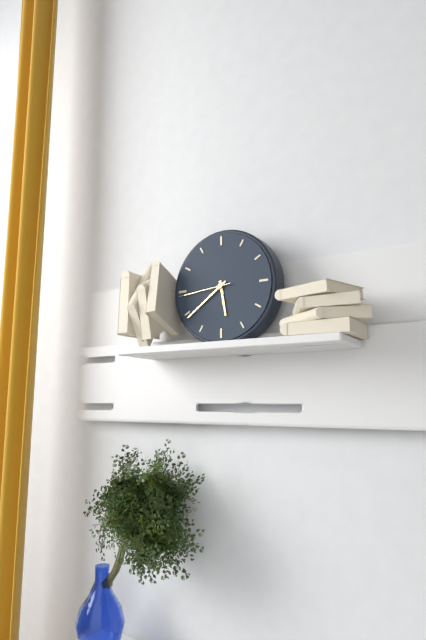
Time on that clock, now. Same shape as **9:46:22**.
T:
**5:39:44**
